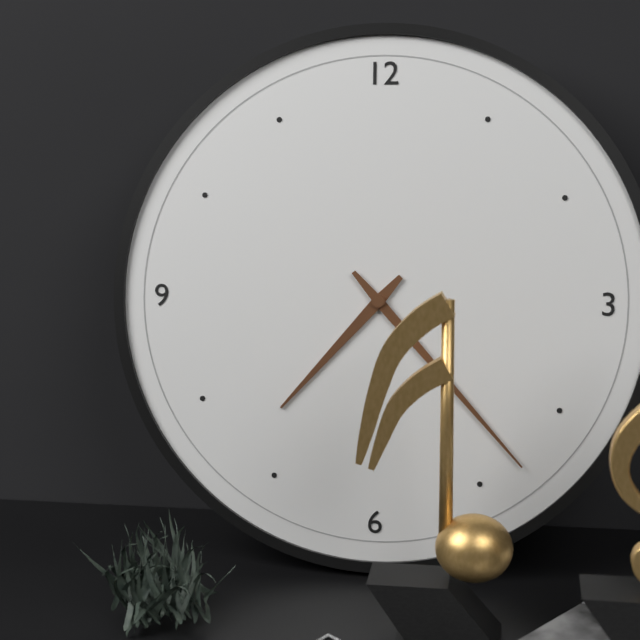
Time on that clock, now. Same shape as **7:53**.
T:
**7:23**
